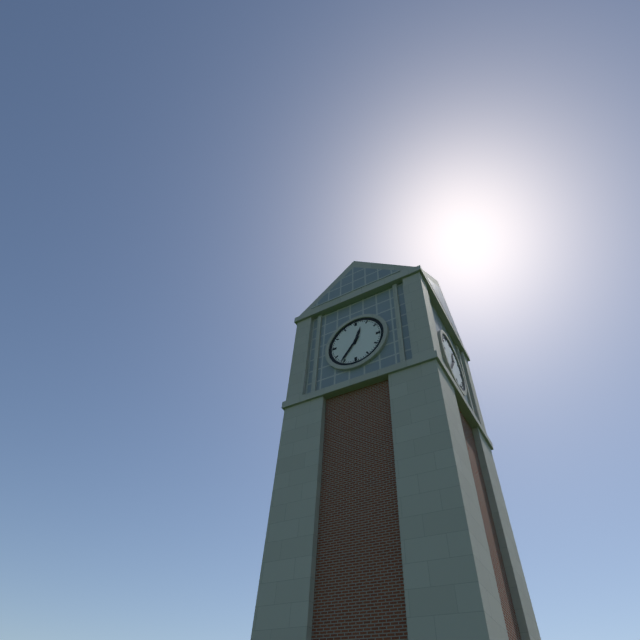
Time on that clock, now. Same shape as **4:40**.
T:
**12:36**
